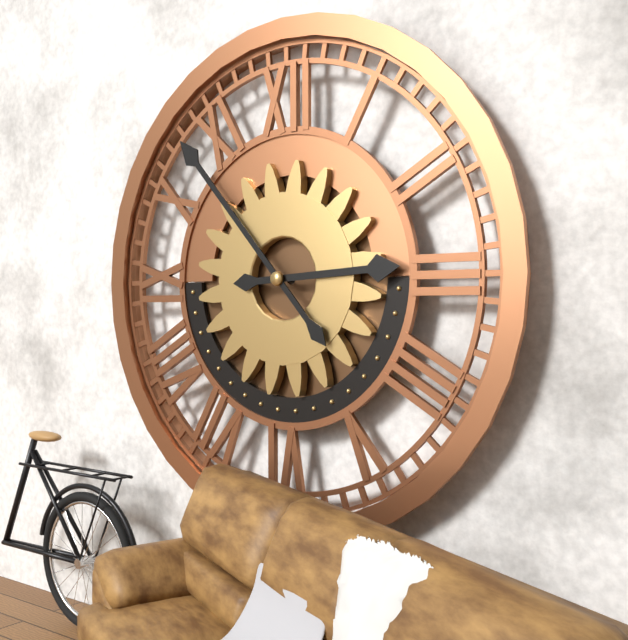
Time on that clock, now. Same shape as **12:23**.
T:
**2:53**
